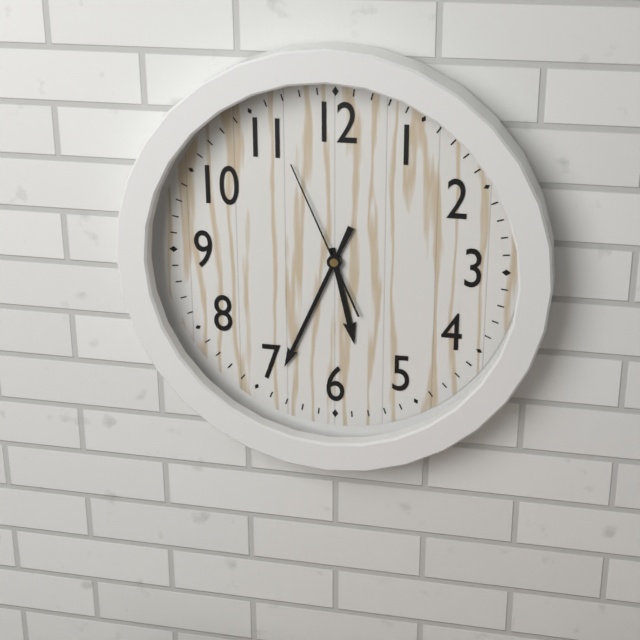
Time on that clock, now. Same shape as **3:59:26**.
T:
**5:34:56**
